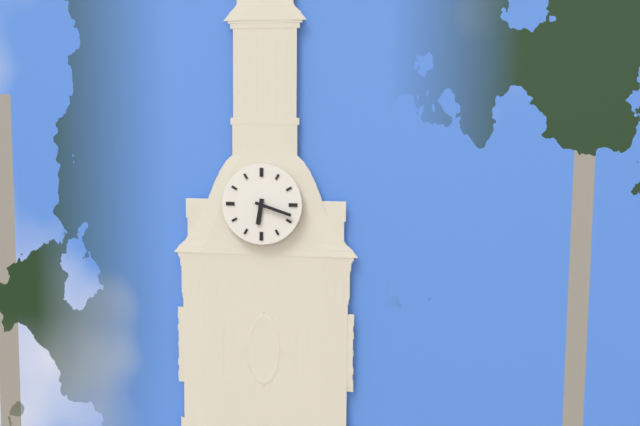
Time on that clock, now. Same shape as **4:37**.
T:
**6:18**
